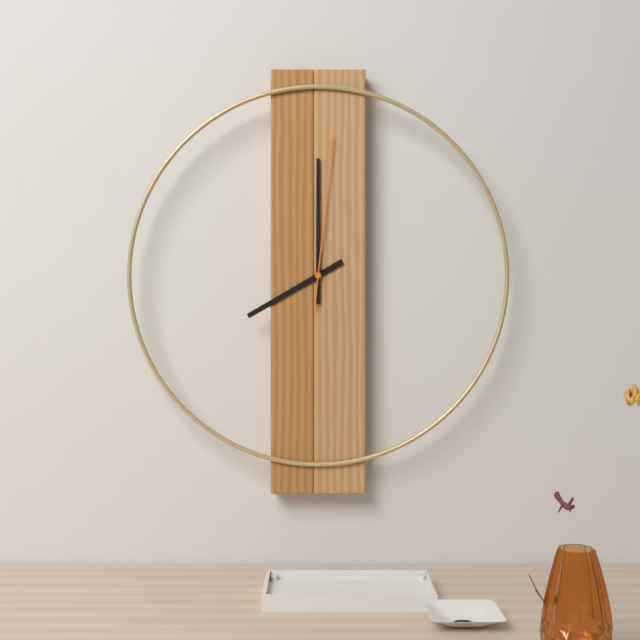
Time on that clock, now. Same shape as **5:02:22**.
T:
**8:00:01**
